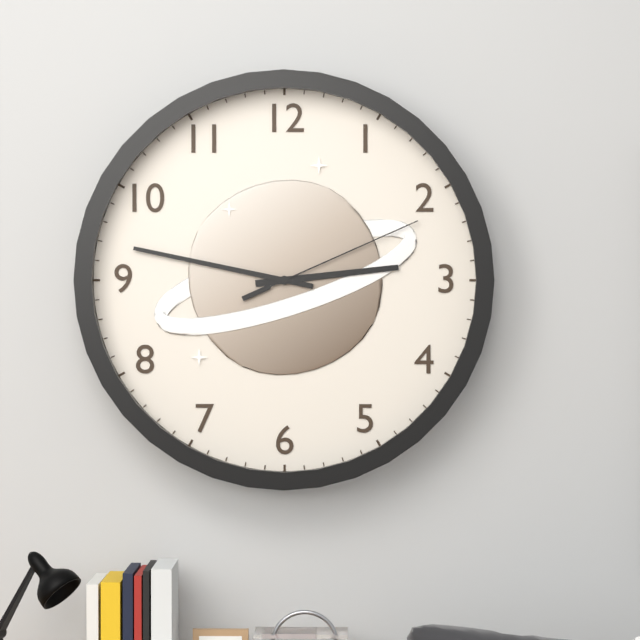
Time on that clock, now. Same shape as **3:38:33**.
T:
**2:47:11**
